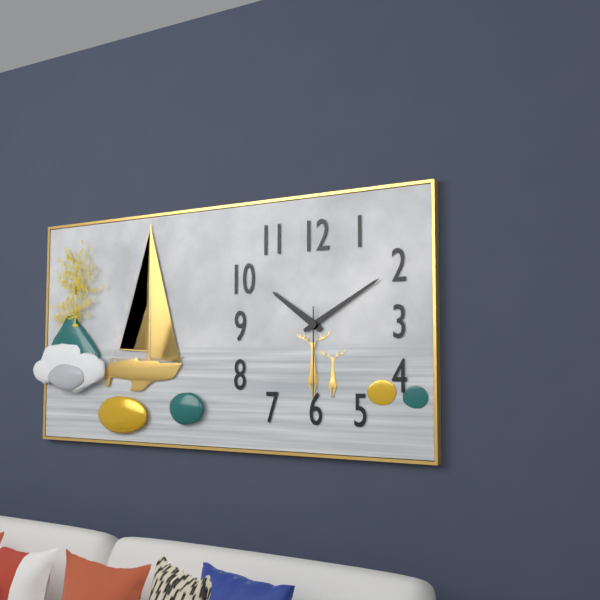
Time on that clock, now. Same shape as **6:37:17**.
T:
**10:10:30**
